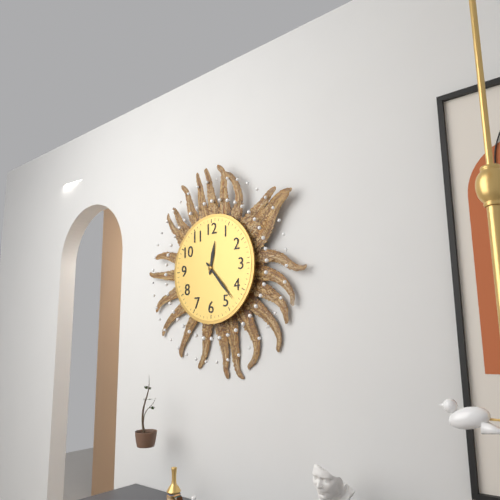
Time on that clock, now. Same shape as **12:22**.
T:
**12:23**
